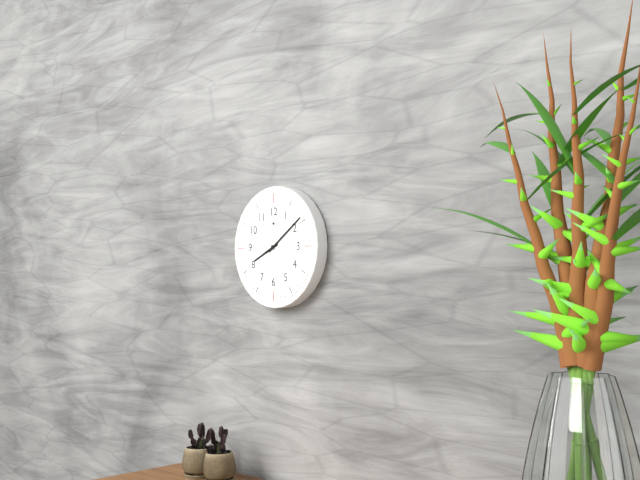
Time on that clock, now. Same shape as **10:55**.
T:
**8:09**
